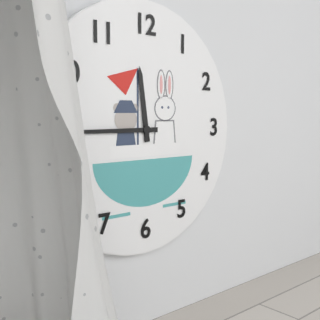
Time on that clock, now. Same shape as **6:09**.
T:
**11:45**
